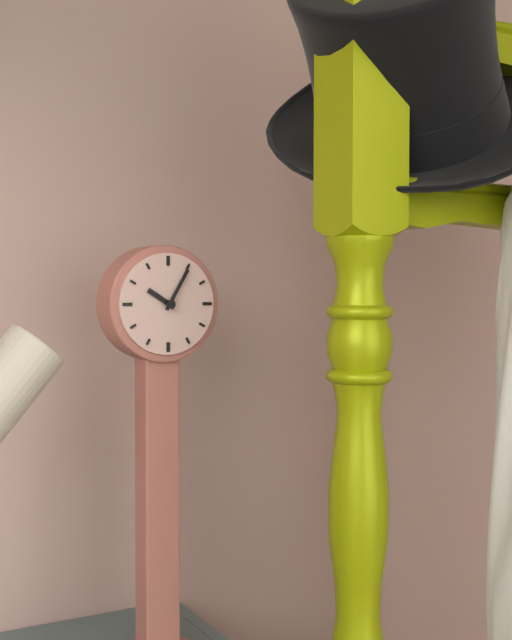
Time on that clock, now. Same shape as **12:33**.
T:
**10:05**
